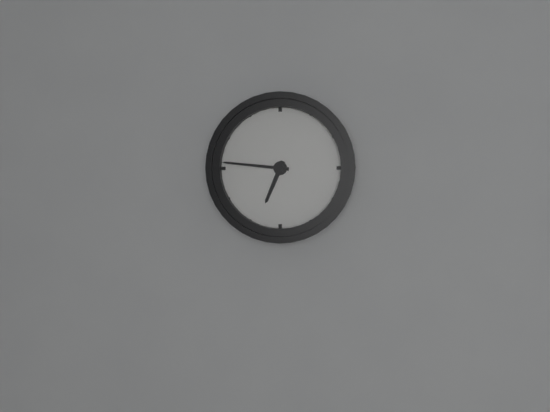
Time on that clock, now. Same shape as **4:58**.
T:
**6:46**
